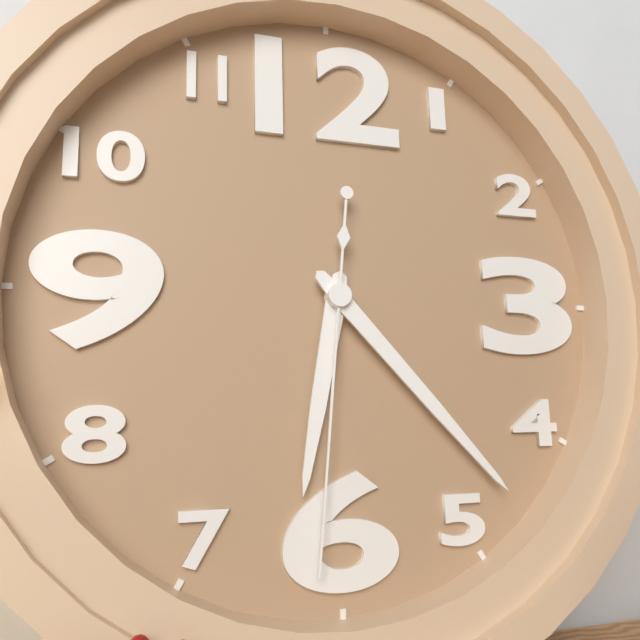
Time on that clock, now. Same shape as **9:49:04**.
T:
**6:23:31**
